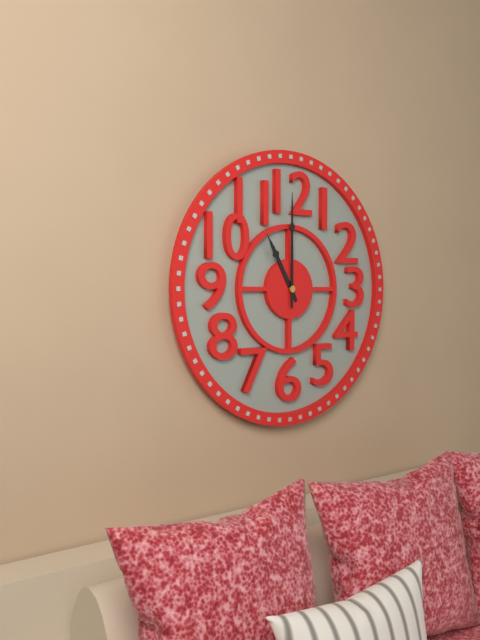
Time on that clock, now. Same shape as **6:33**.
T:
**11:00**
